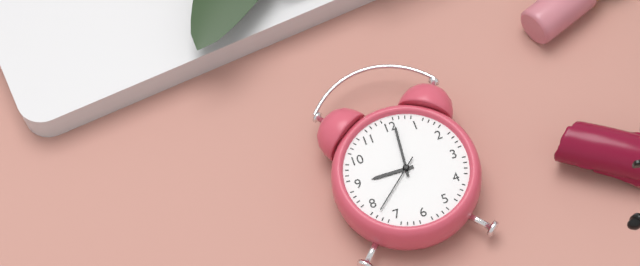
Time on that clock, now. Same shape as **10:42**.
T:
**9:01**
